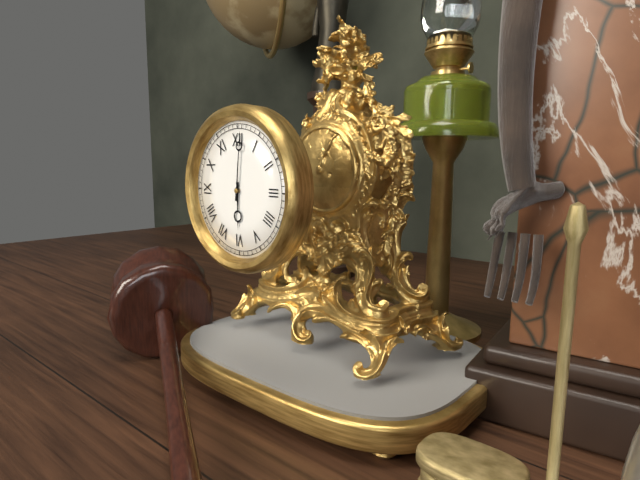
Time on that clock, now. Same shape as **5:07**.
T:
**6:01**
